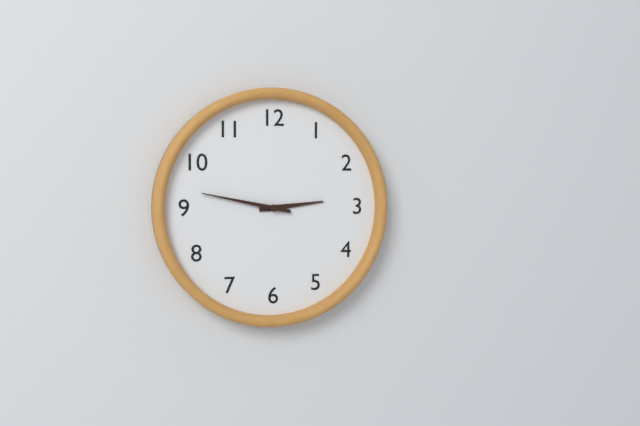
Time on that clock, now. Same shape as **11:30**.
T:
**2:47**
